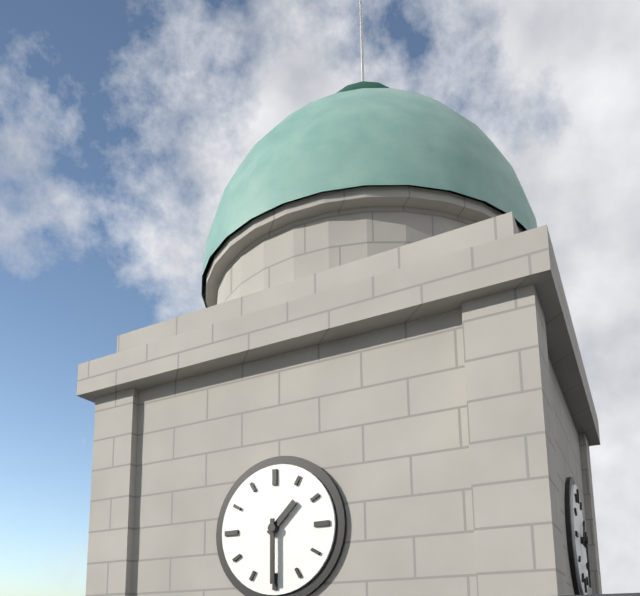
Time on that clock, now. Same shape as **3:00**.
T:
**1:30**
